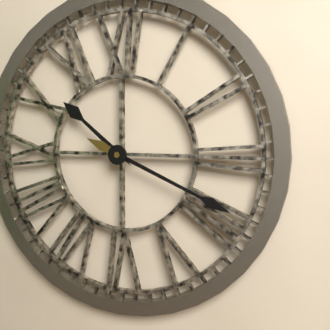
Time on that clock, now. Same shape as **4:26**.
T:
**10:19**
